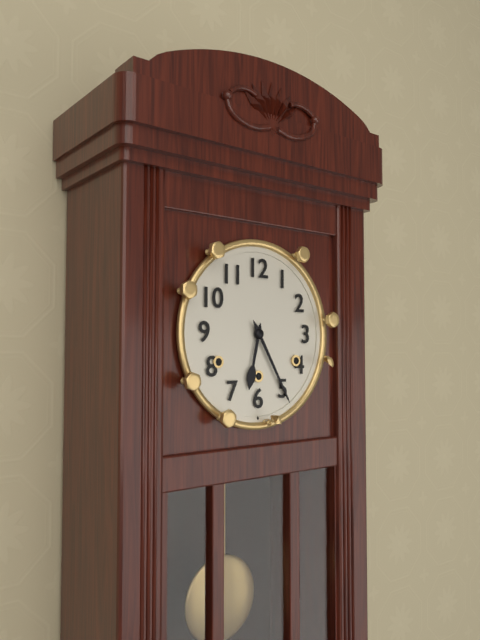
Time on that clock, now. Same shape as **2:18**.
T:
**6:25**
